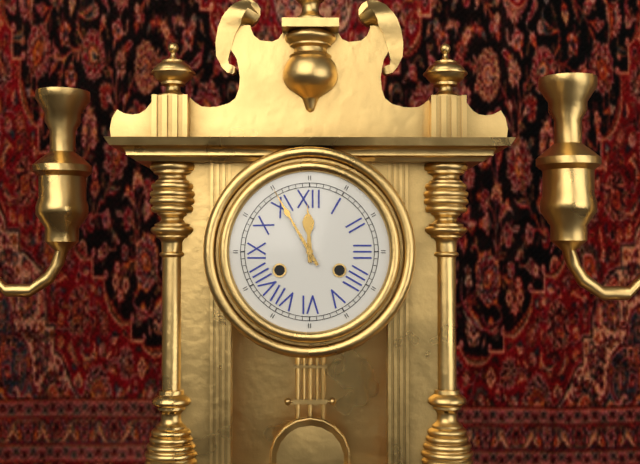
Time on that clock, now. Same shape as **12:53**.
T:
**11:55**
